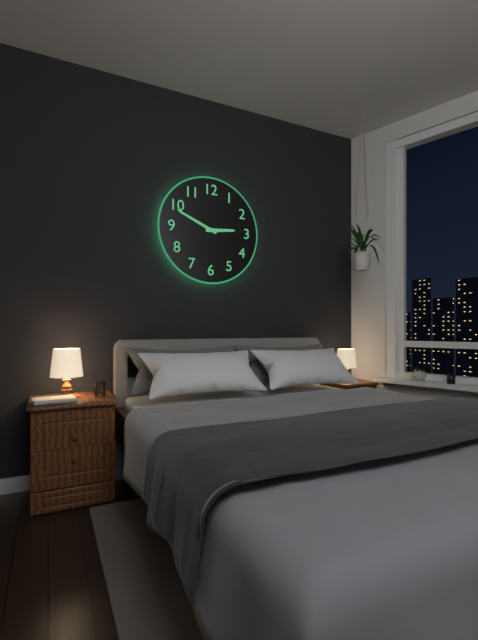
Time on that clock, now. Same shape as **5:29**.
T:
**2:49**
